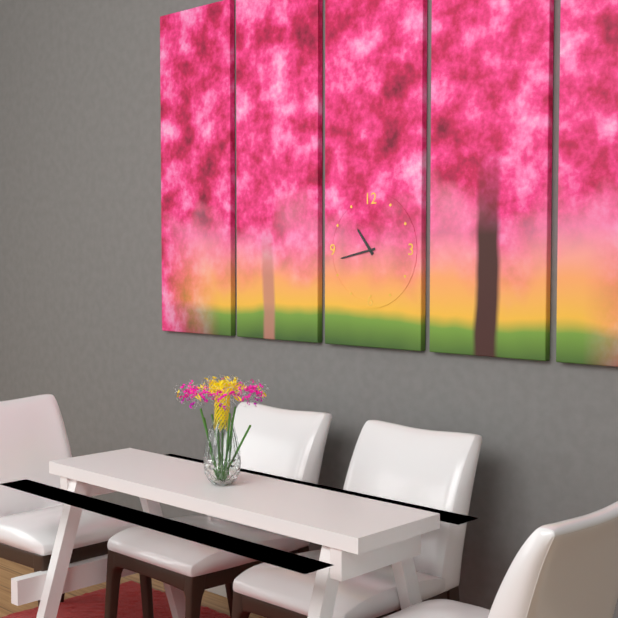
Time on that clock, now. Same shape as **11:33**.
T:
**10:43**
